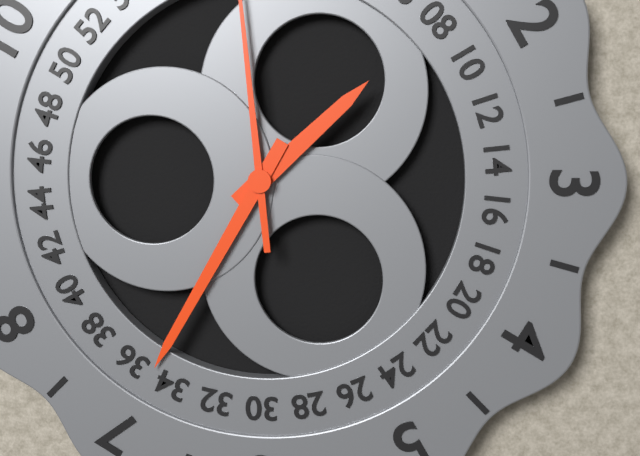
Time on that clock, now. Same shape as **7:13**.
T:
**1:35**
